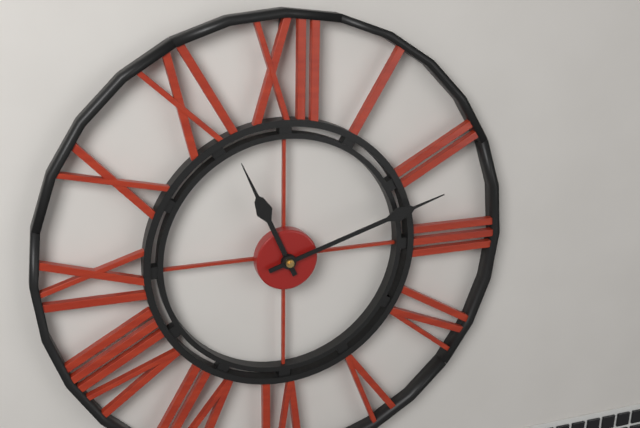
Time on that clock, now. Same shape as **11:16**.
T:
**11:12**
